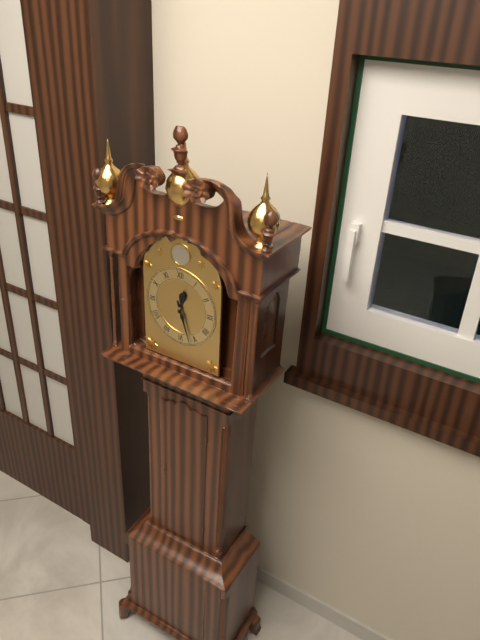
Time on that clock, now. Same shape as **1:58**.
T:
**12:27**
